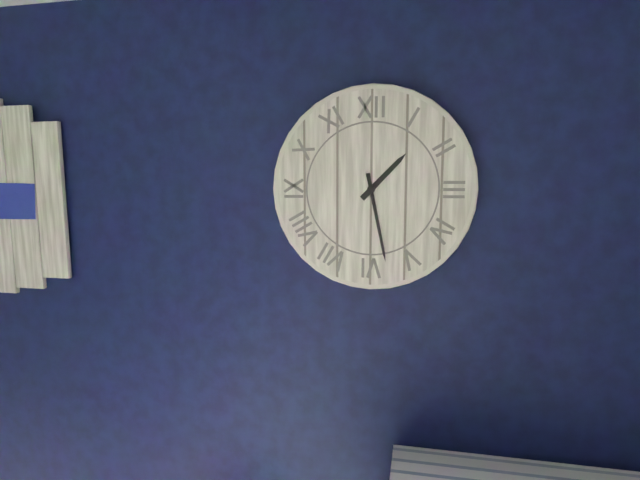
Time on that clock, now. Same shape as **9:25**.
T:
**1:28**
